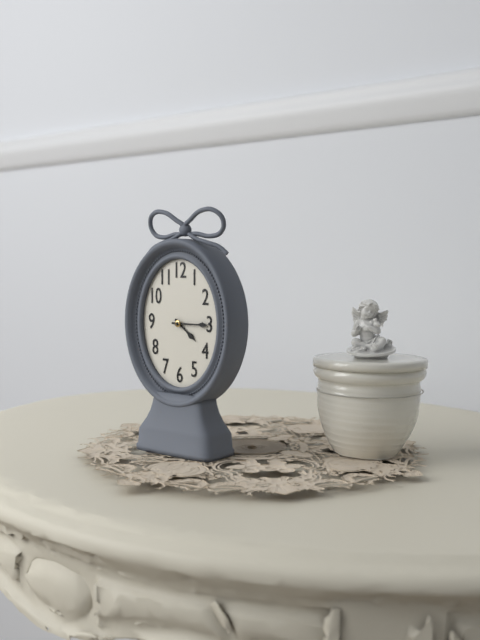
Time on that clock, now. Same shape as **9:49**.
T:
**4:15**
